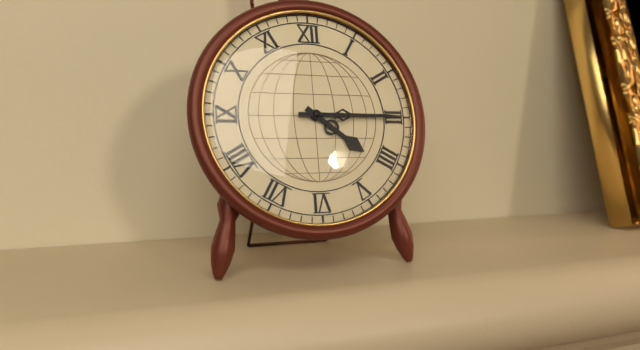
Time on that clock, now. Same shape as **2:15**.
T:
**4:15**
